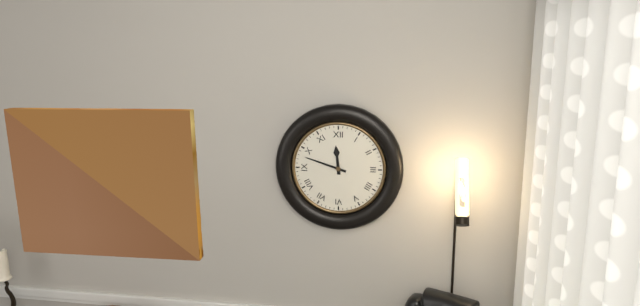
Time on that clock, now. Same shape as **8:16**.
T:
**11:48**
